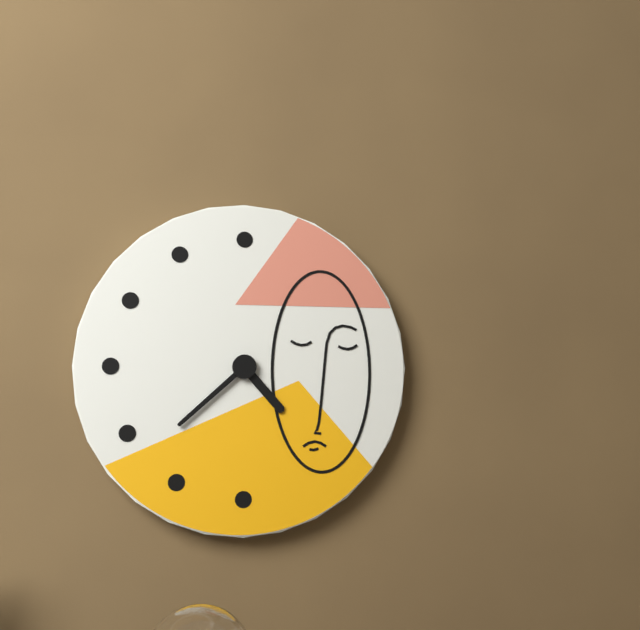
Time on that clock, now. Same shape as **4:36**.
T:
**4:38**
